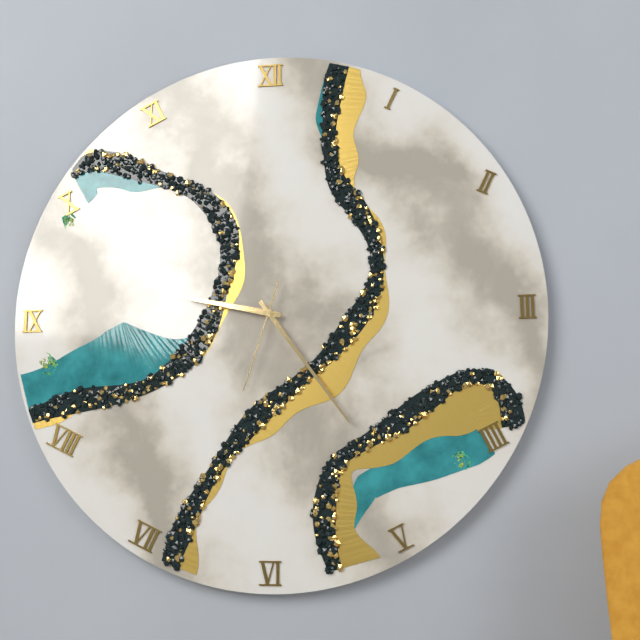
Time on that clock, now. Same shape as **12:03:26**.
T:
**9:24:33**
